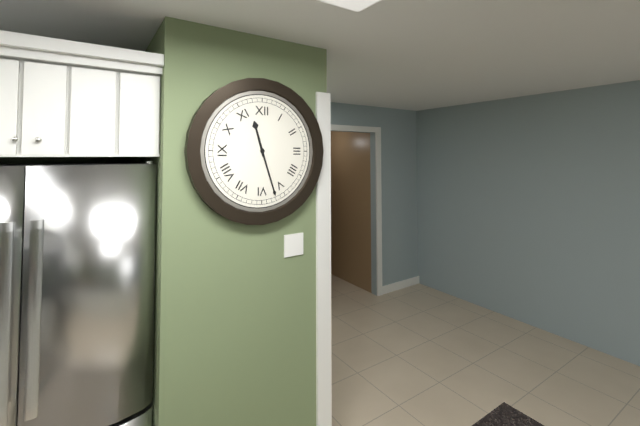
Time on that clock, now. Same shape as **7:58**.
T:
**11:27**
